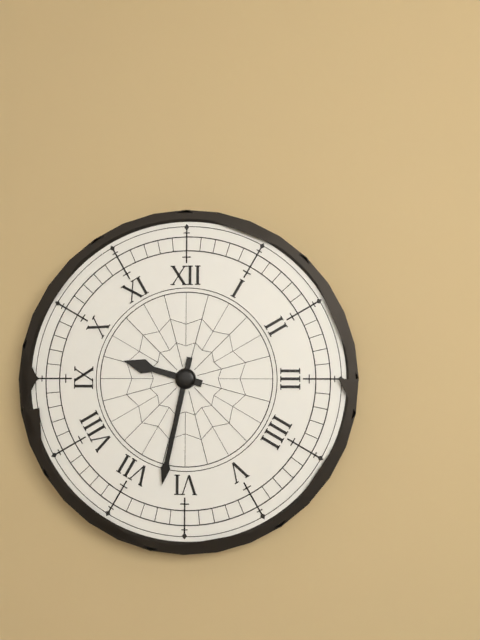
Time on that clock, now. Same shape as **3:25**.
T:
**9:32**
